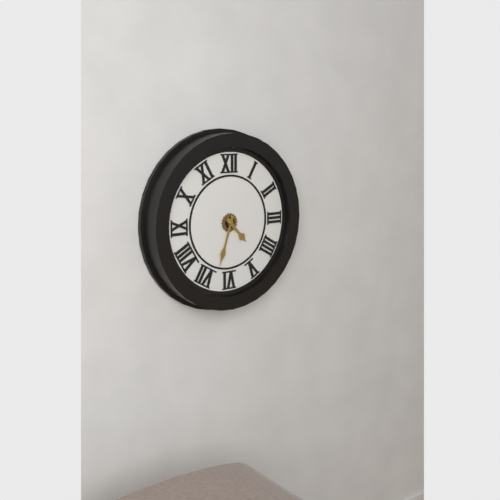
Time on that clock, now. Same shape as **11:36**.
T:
**4:33**
